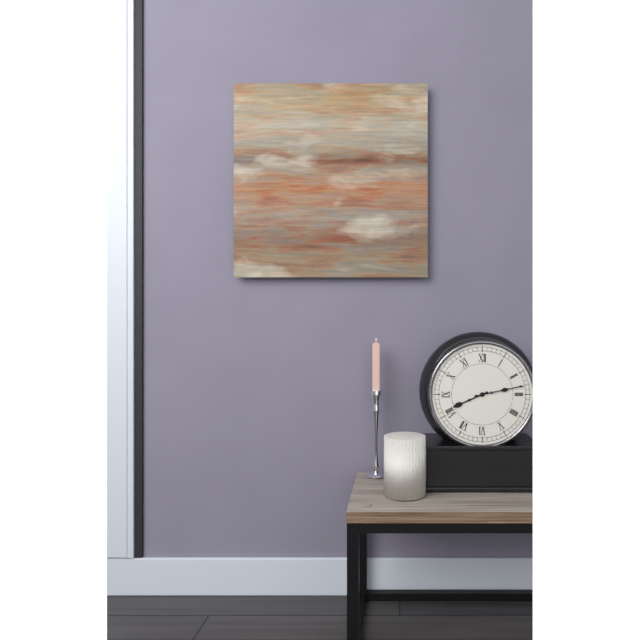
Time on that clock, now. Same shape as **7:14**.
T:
**8:13**
